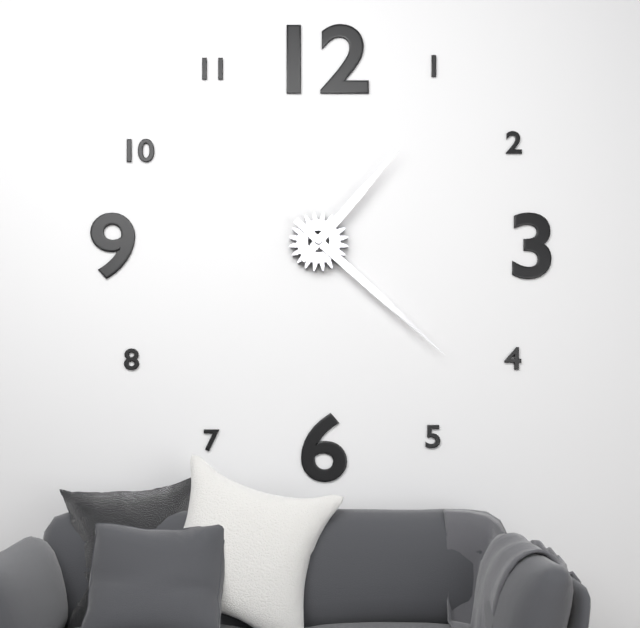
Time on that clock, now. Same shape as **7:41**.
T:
**1:22**
